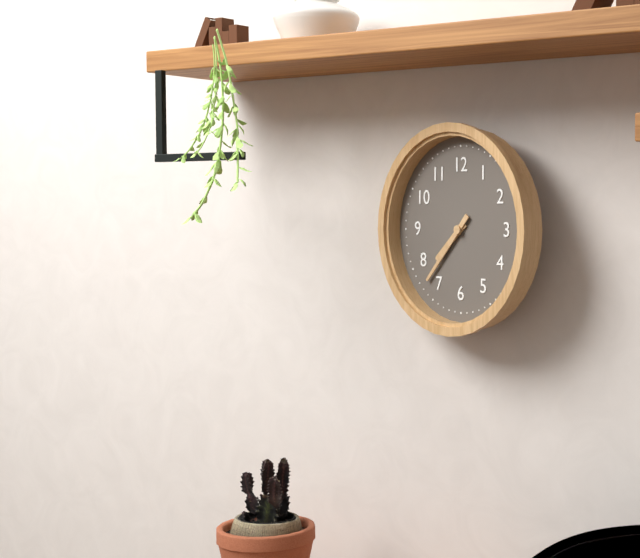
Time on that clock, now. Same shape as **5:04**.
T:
**7:37**
